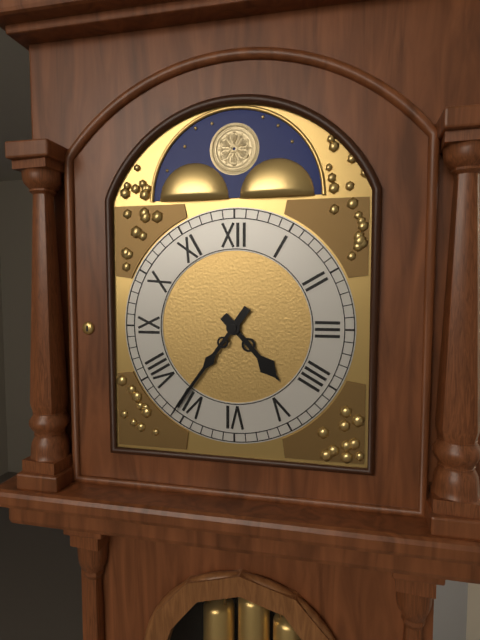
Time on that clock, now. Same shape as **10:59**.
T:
**4:36**
